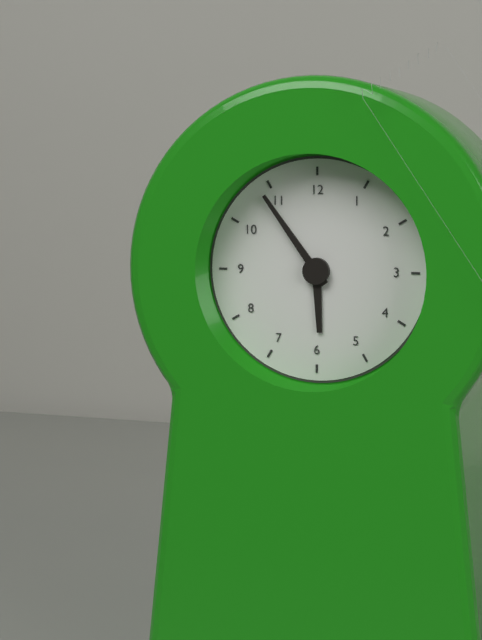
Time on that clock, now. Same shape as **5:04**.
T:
**5:54**
